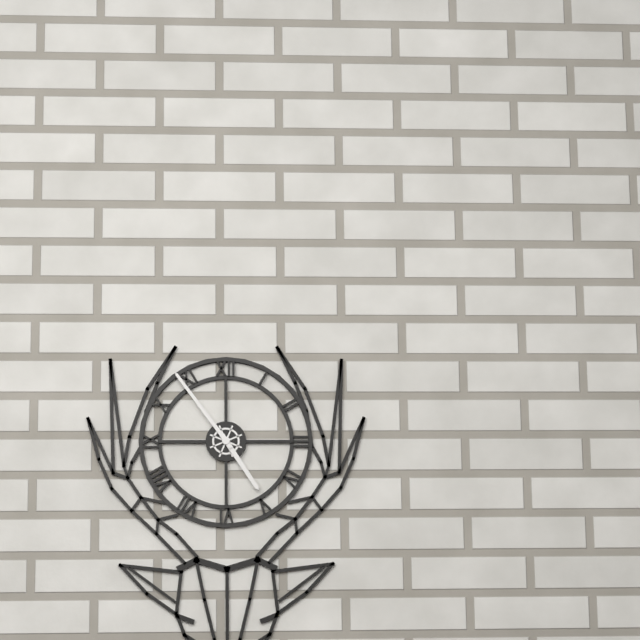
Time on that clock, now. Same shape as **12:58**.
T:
**4:54**
